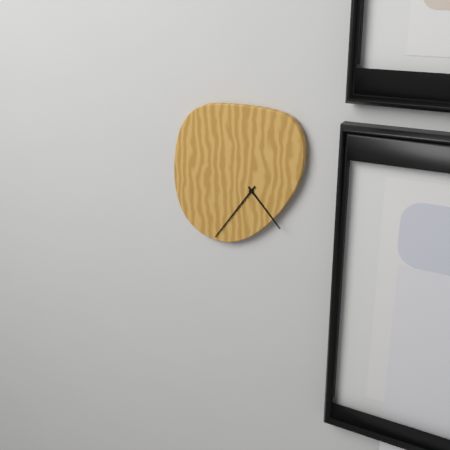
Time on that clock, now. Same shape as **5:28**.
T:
**4:36**
